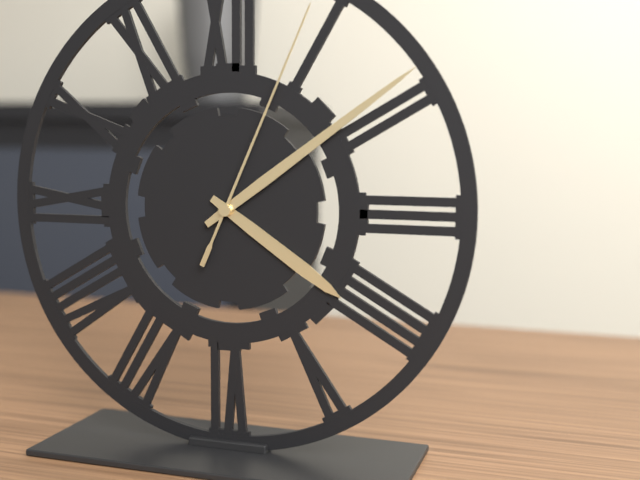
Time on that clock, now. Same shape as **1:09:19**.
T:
**4:09:04**
